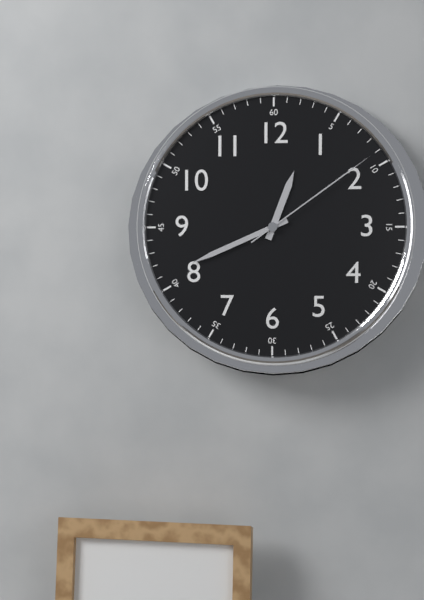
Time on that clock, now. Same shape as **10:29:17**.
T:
**12:41:09**
